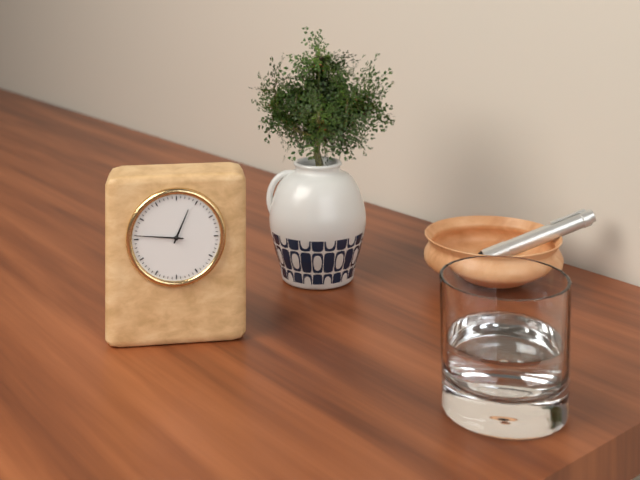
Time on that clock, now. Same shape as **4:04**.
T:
**12:46**
